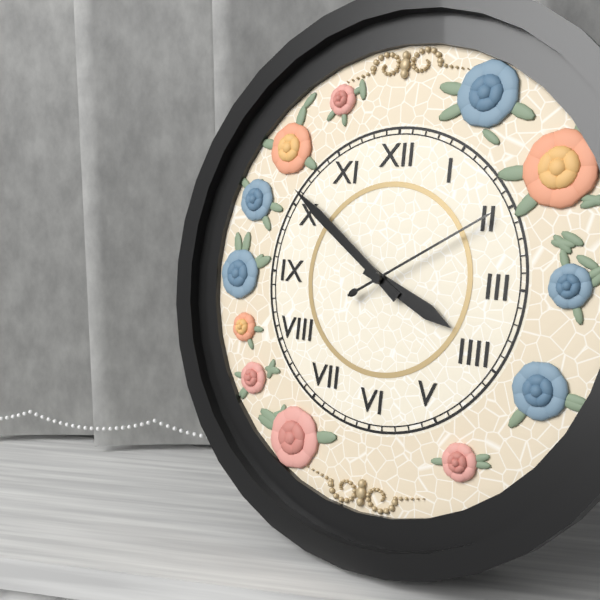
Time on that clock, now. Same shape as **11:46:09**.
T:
**3:51:10**
